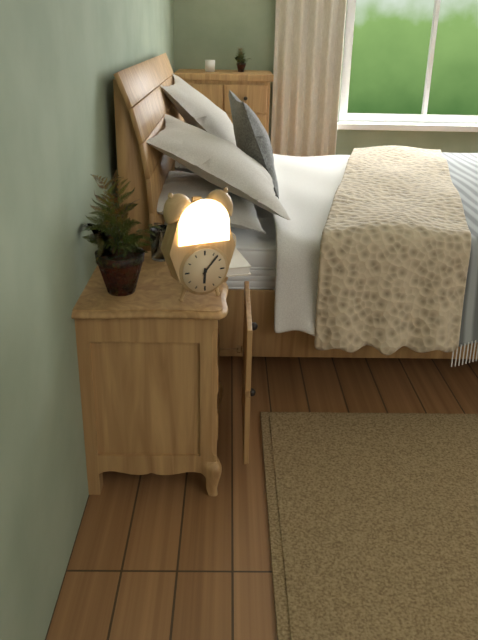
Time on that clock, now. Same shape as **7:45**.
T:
**6:07**
